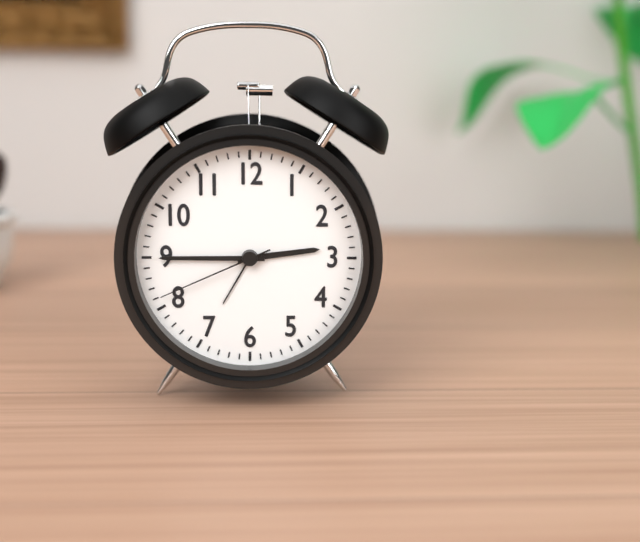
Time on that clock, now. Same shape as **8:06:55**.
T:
**2:45:41**
